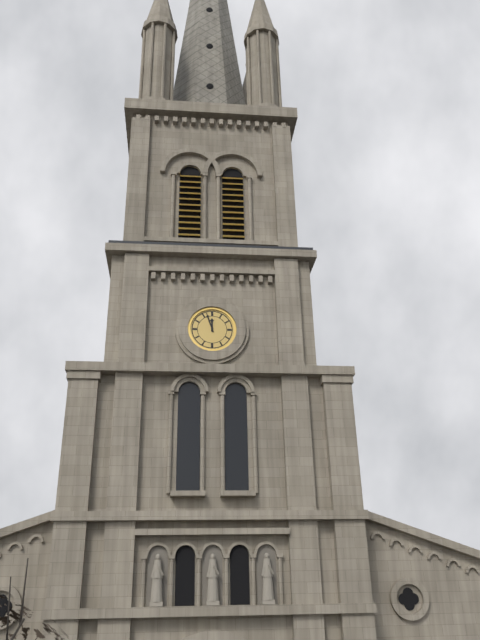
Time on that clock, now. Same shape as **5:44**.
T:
**11:57**
